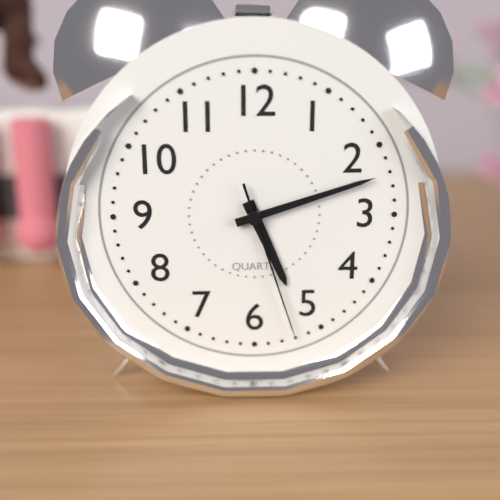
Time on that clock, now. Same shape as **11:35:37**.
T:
**5:12:27**
